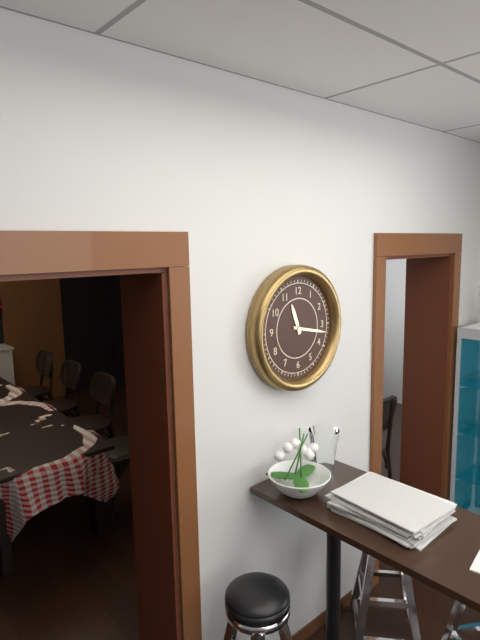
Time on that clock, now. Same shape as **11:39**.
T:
**11:17**
